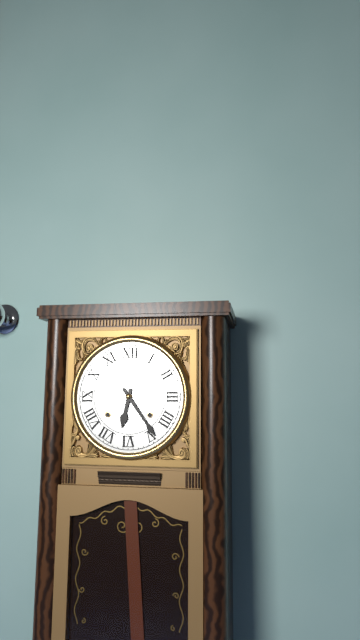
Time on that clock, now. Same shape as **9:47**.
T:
**6:24**
